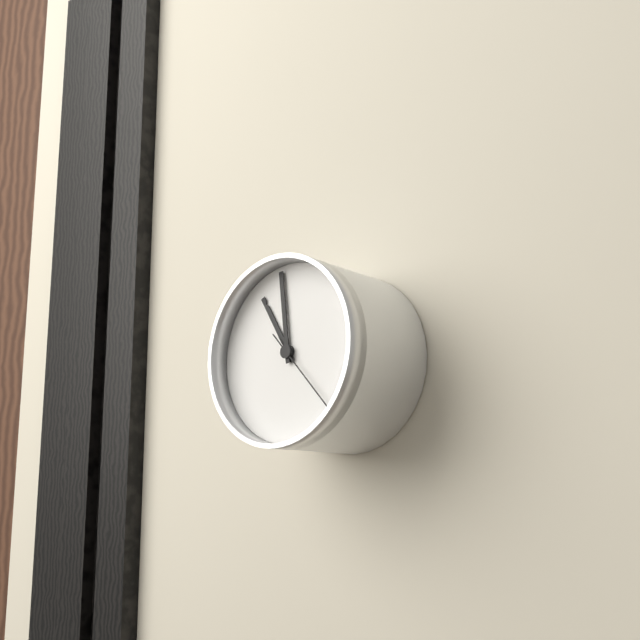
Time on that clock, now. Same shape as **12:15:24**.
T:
**10:59:23**
